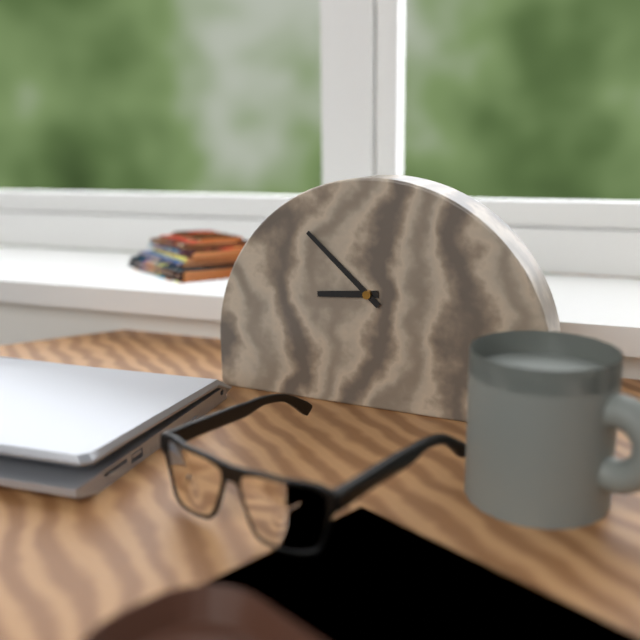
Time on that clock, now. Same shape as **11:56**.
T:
**8:52**
